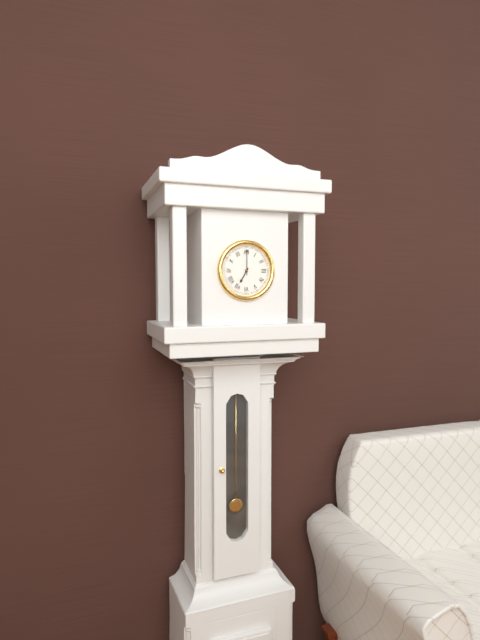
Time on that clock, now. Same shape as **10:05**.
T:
**7:00**
